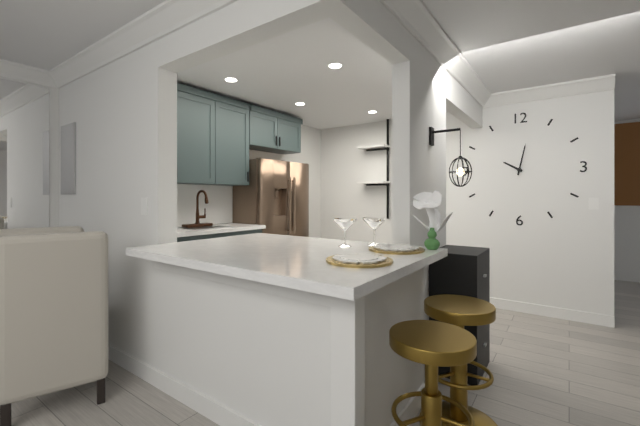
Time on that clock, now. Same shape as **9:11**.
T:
**10:02**
